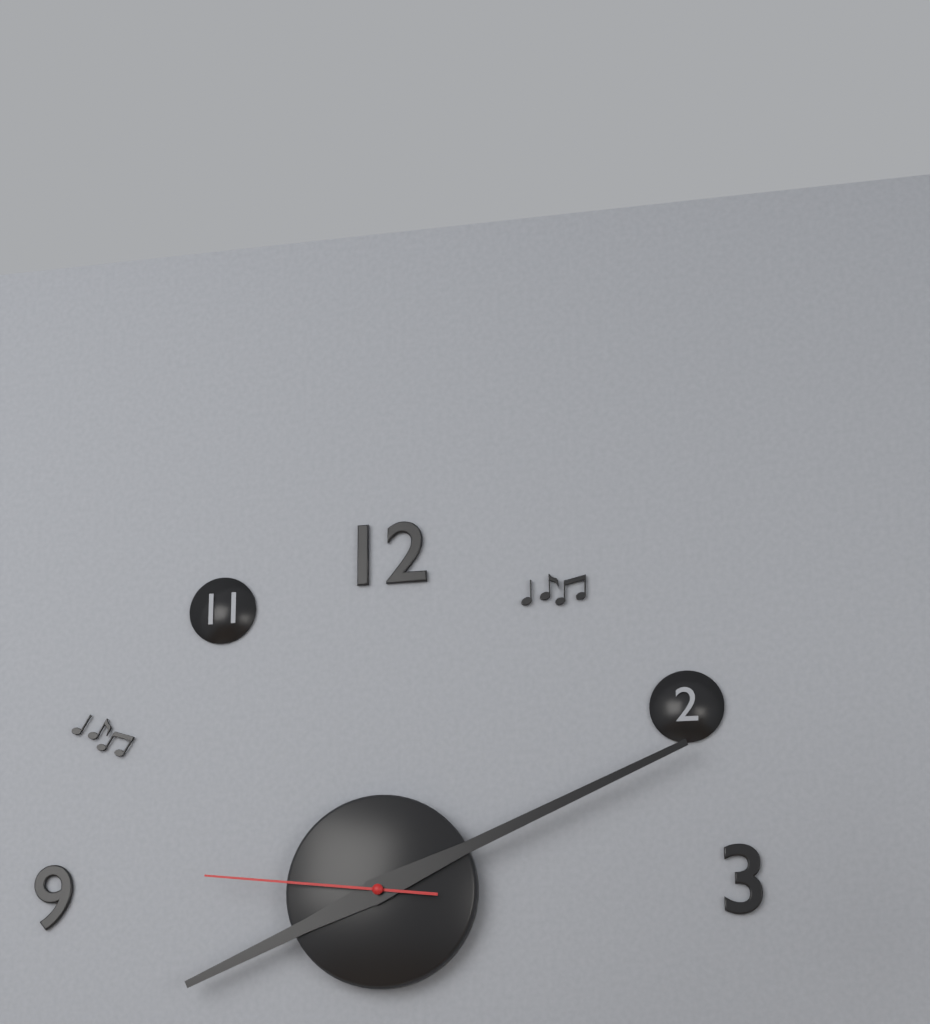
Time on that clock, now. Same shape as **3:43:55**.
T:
**8:11:46**
